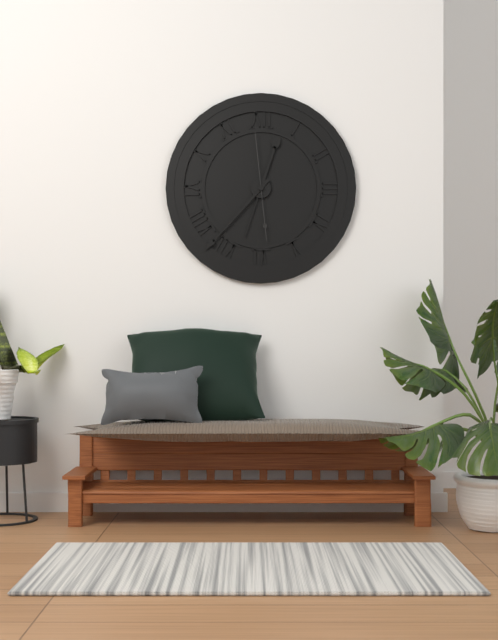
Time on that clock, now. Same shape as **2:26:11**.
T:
**12:37:59**
